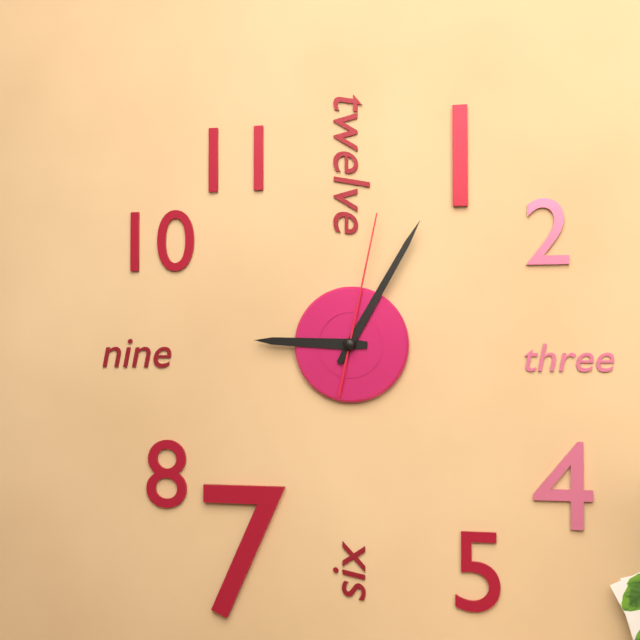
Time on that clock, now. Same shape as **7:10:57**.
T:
**9:05:02**
